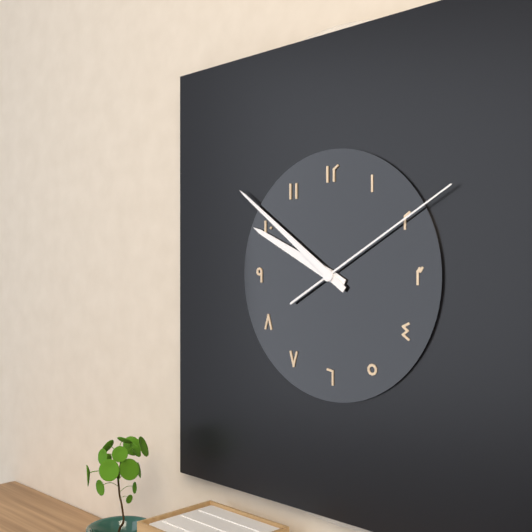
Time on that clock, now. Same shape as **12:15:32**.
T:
**9:51:10**
